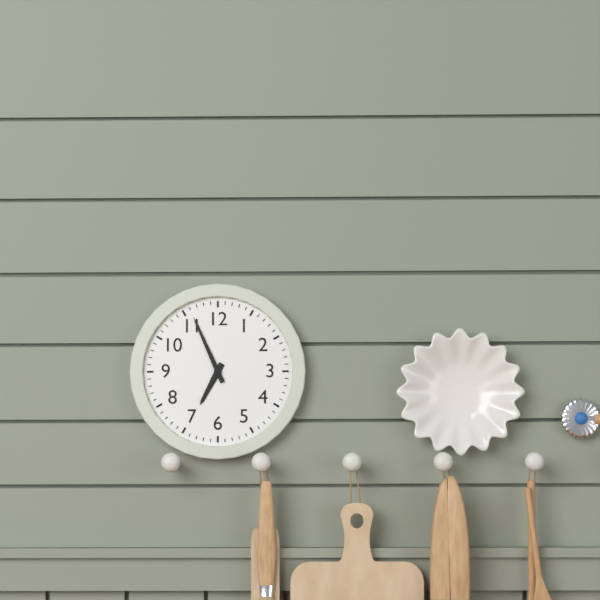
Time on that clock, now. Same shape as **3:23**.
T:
**6:56**
